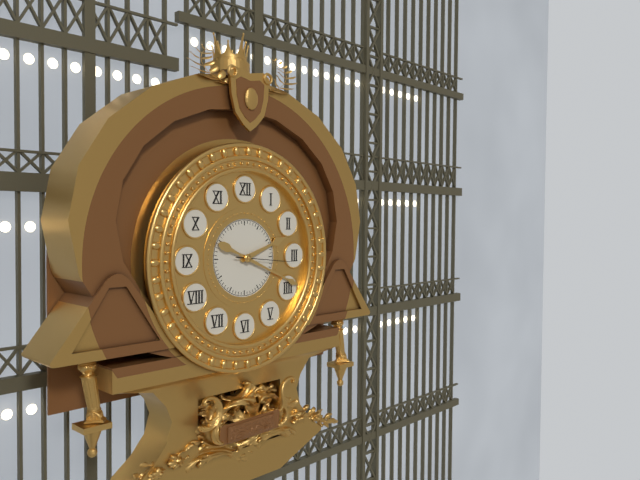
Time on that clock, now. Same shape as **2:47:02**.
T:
**2:19:16**
